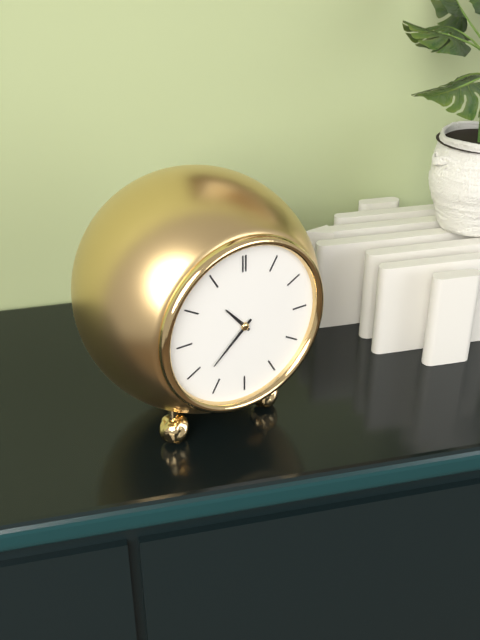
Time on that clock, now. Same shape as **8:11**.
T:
**10:38**
